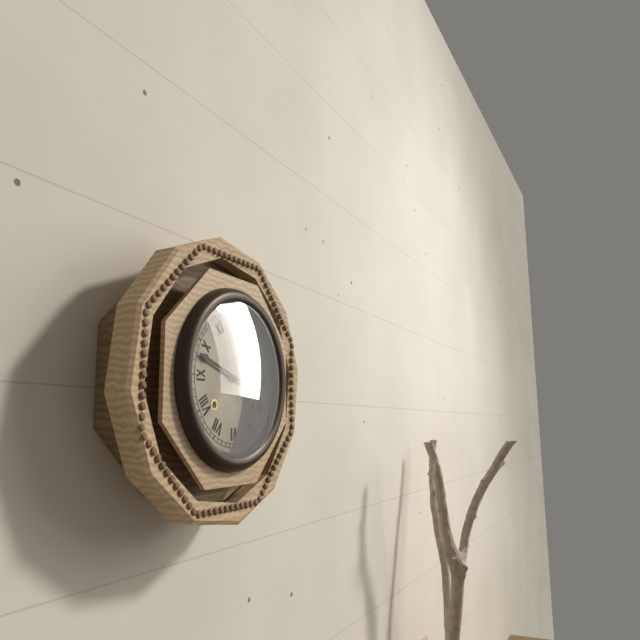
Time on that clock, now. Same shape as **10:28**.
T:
**2:48**
